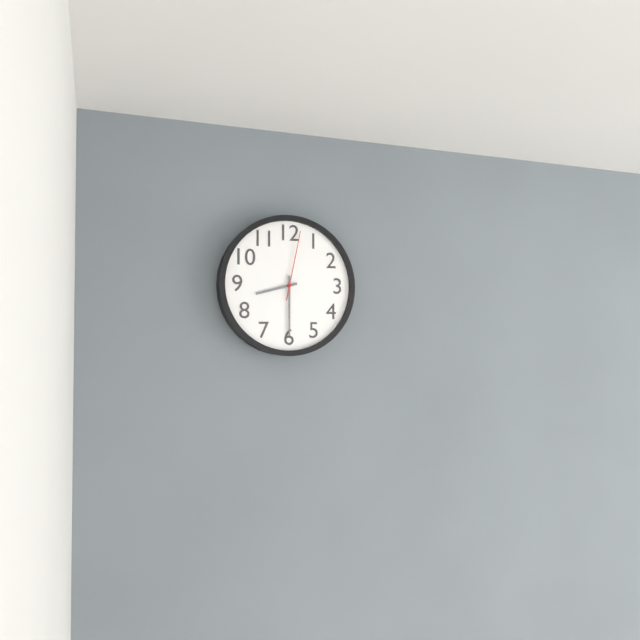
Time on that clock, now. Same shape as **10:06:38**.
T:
**8:30:02**
